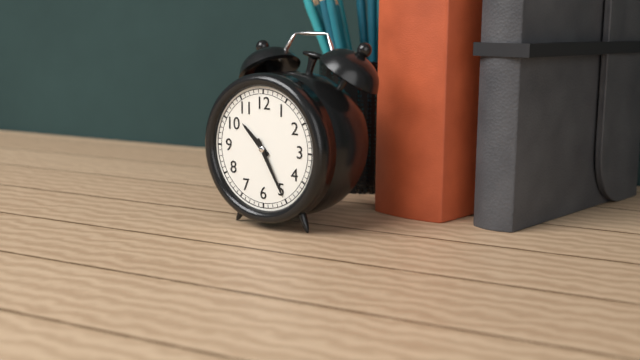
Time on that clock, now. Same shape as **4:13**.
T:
**10:25**
